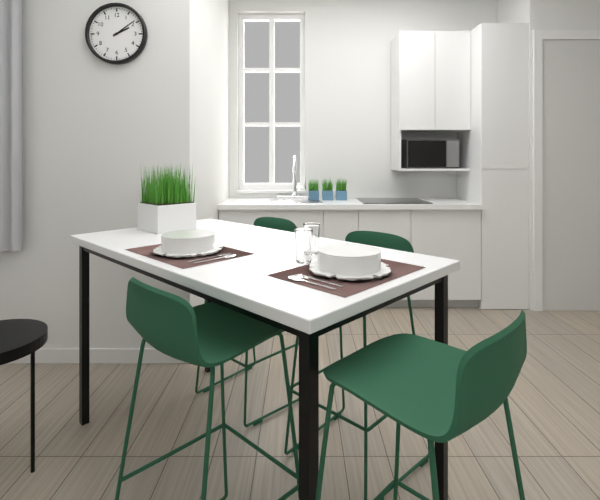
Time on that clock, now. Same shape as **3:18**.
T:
**2:09**
